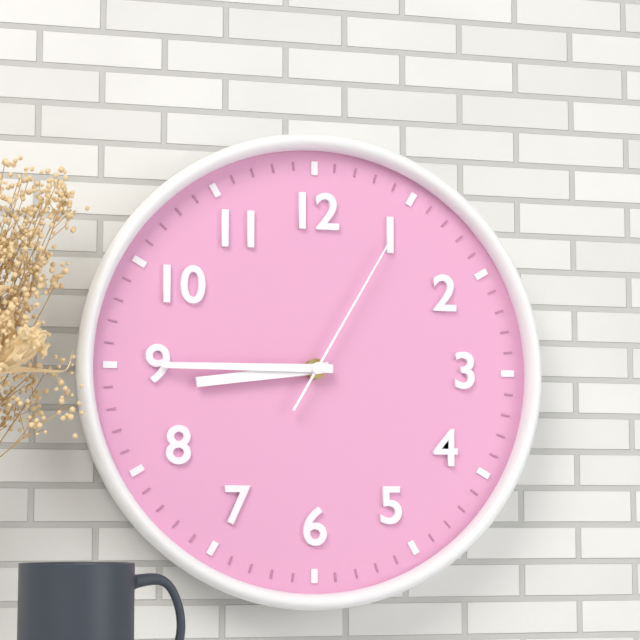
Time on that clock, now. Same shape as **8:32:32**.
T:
**8:45:05**
